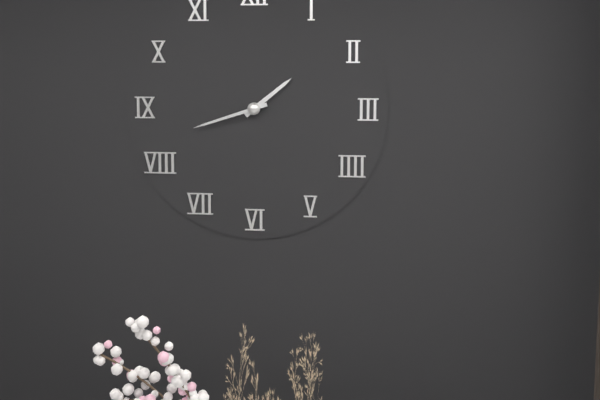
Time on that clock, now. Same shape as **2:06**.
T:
**1:42**
